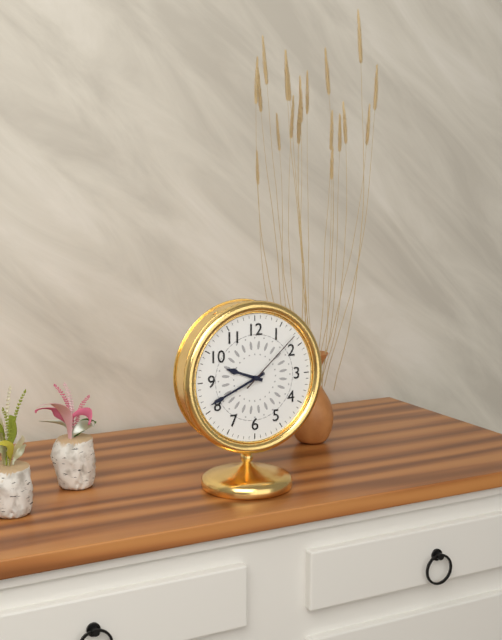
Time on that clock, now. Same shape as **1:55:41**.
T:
**9:41:08**
